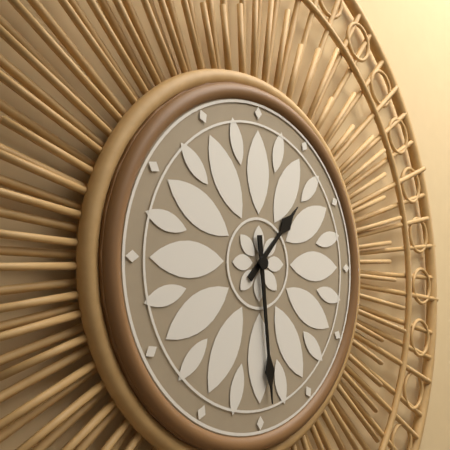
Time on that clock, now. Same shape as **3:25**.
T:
**1:29**
